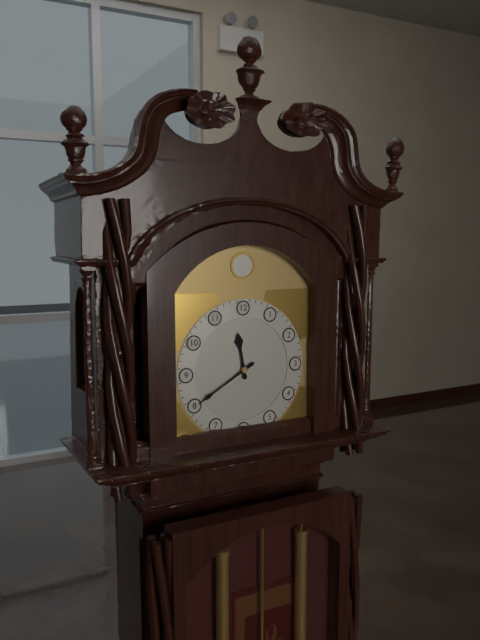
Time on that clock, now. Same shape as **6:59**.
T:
**11:40**
